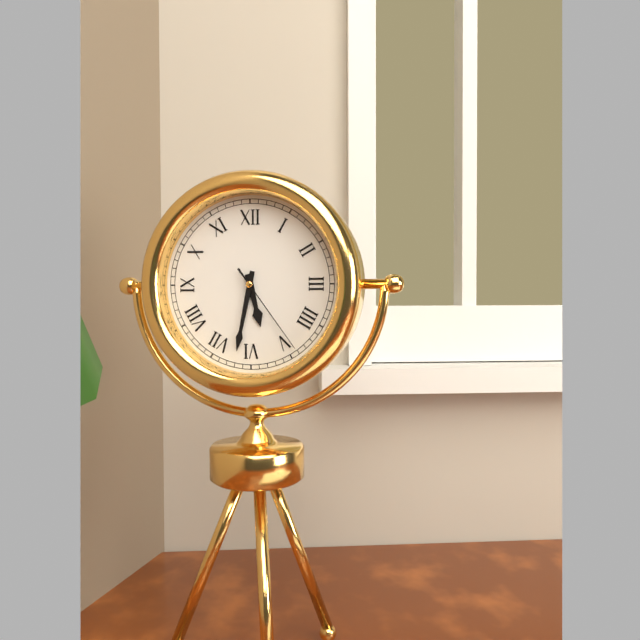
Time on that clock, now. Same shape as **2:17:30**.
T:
**5:32:24**
